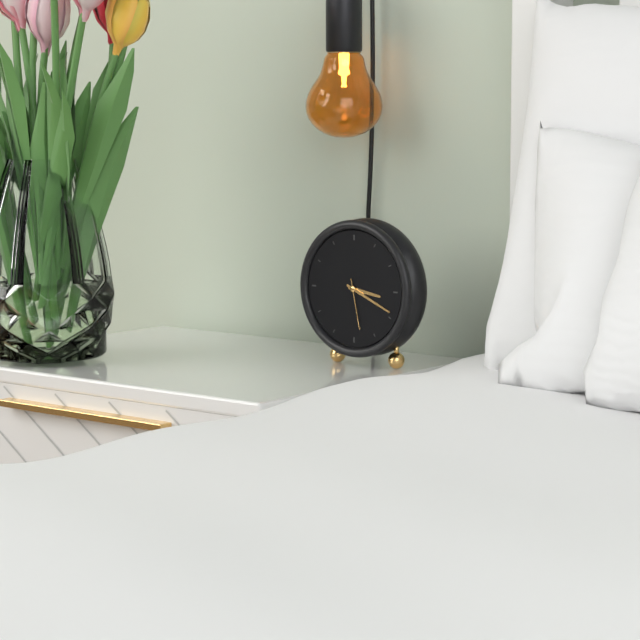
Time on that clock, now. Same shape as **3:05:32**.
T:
**3:19:28**
